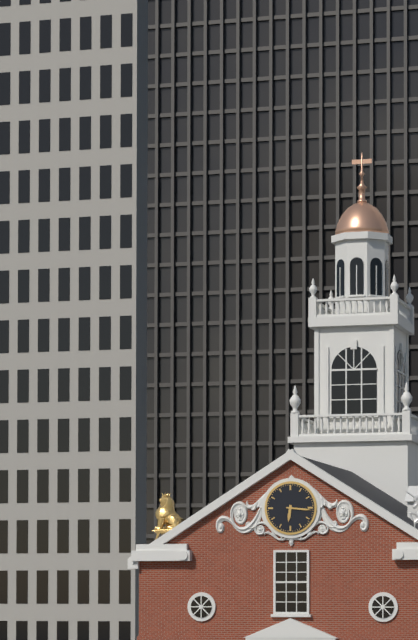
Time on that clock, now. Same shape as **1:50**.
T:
**6:16**
